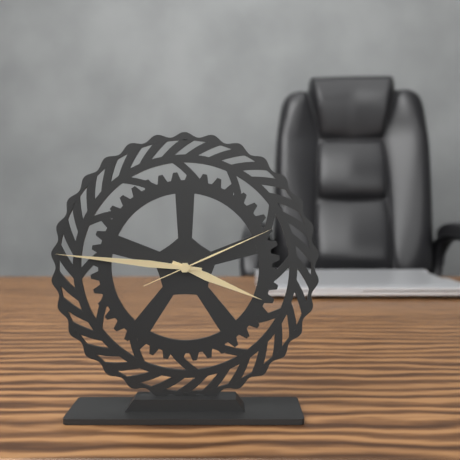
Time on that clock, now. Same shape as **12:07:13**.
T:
**3:46:11**
